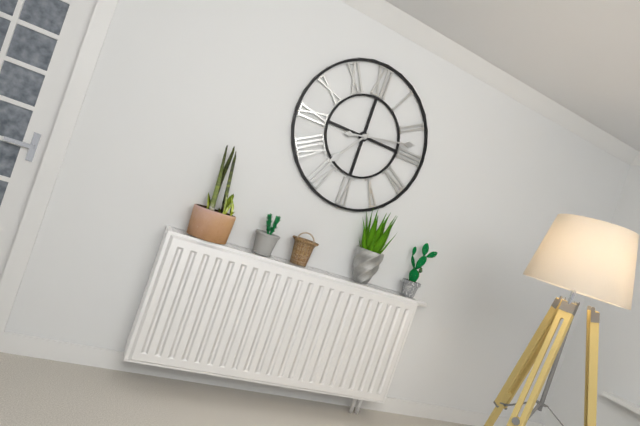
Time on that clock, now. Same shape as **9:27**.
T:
**7:13**
